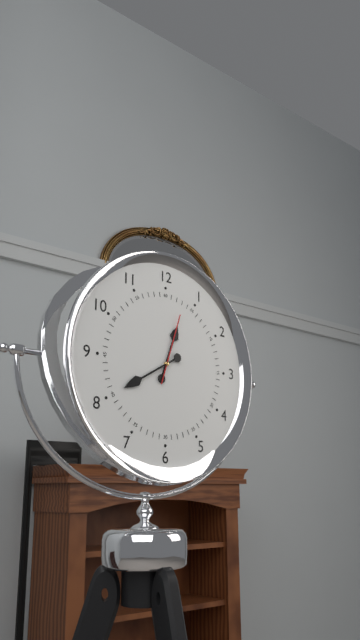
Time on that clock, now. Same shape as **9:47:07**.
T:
**12:40:03**
